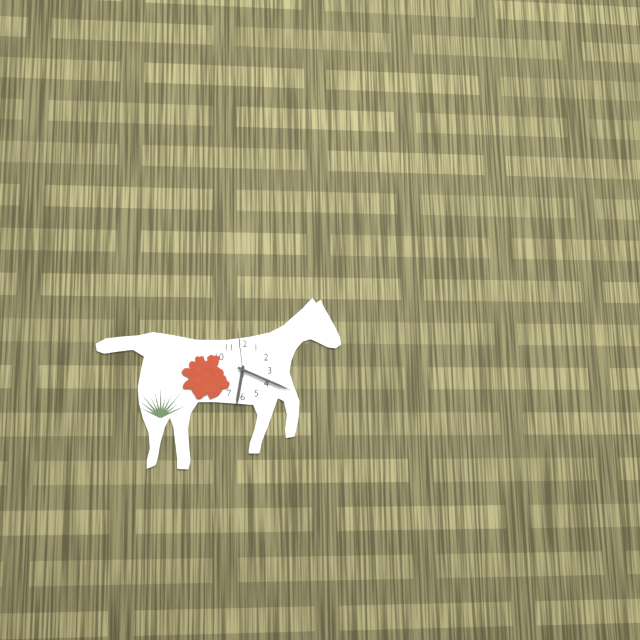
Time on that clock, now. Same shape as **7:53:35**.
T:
**6:19:59**
